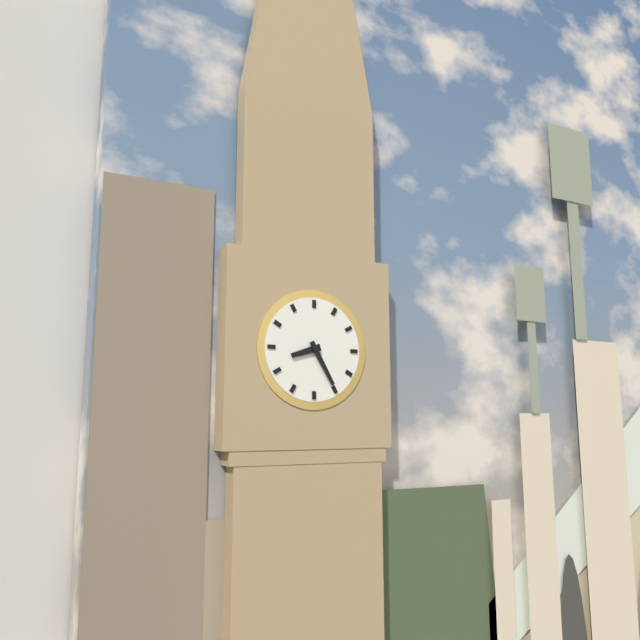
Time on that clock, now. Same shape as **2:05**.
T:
**8:25**
